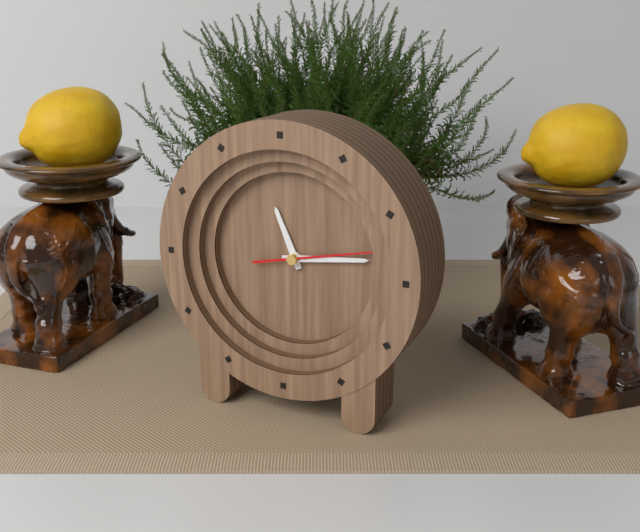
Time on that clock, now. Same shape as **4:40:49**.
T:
**11:14:13**
